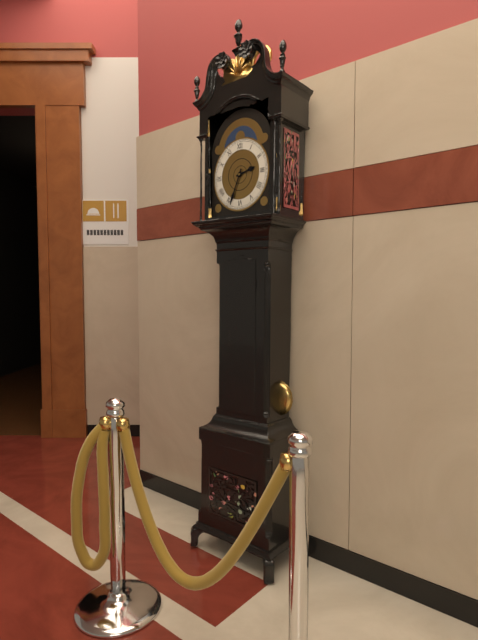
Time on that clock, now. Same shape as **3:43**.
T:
**2:34**
